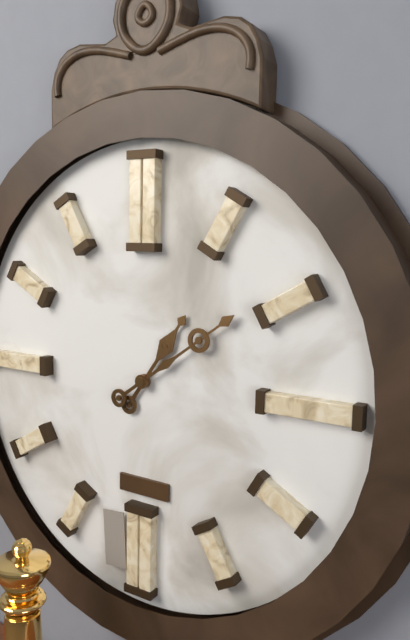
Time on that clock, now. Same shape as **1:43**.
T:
**1:09**
